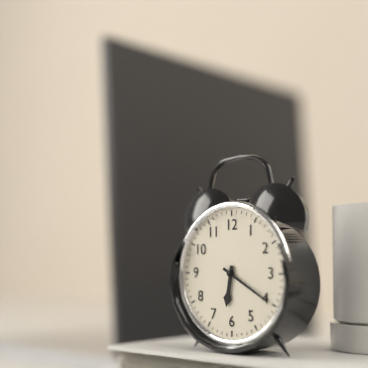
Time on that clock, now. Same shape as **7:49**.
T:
**6:20**
